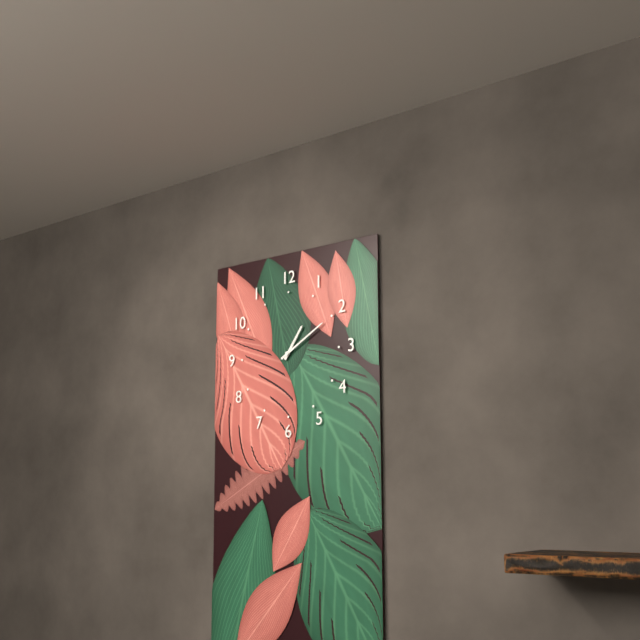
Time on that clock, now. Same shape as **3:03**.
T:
**1:10**
